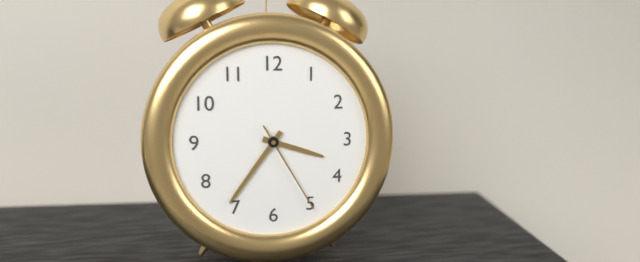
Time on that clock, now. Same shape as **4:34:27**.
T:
**3:36:25**
